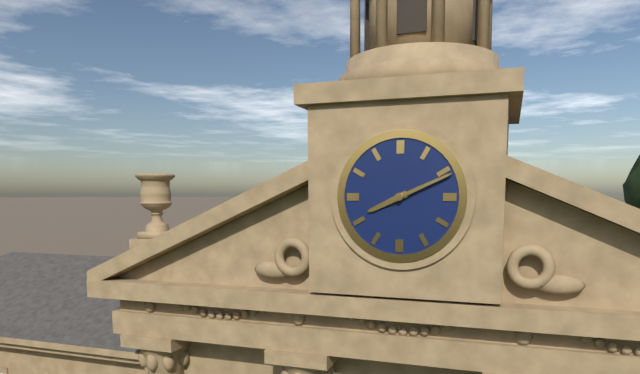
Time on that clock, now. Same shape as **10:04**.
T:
**8:11**
